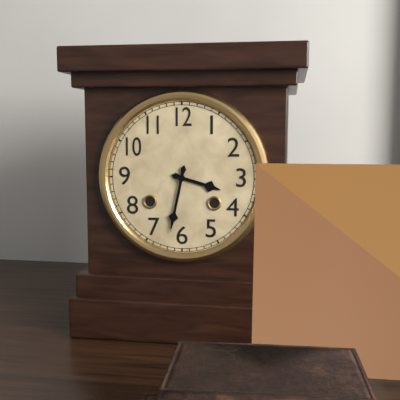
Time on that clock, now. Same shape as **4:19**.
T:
**3:32**
